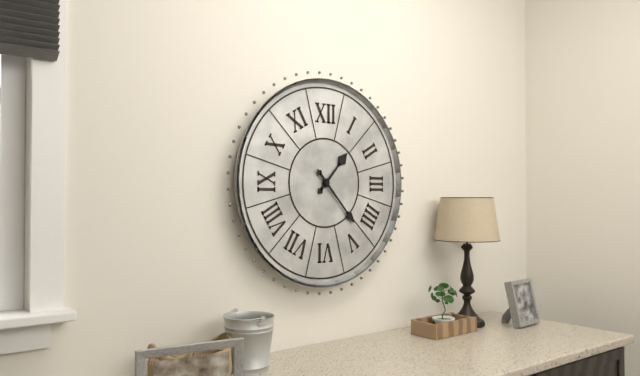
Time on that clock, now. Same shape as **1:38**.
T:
**1:23**
